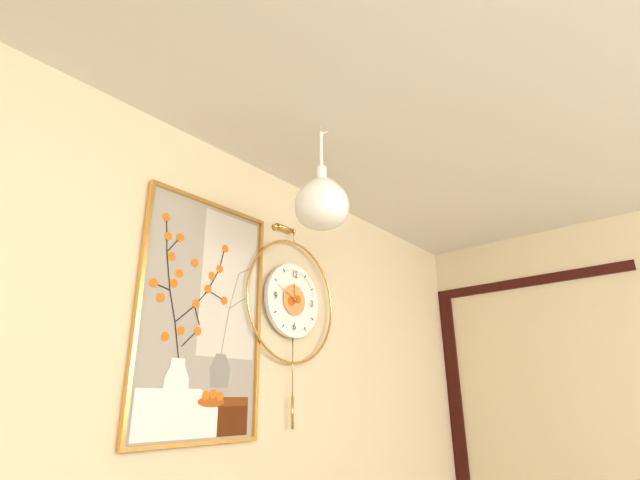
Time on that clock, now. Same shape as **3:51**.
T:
**11:49**
